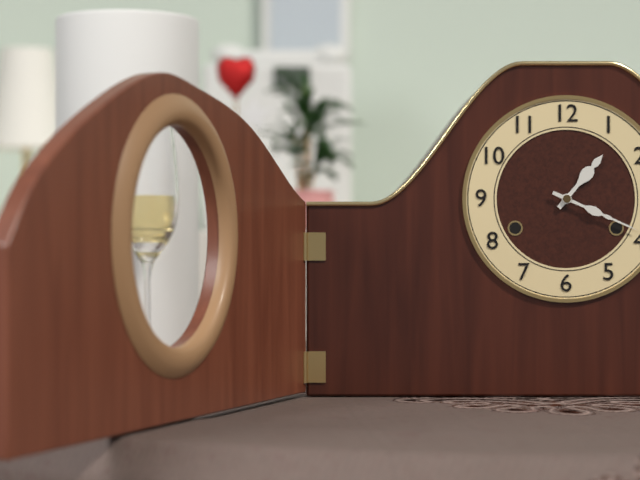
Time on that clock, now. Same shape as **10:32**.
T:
**1:19**
